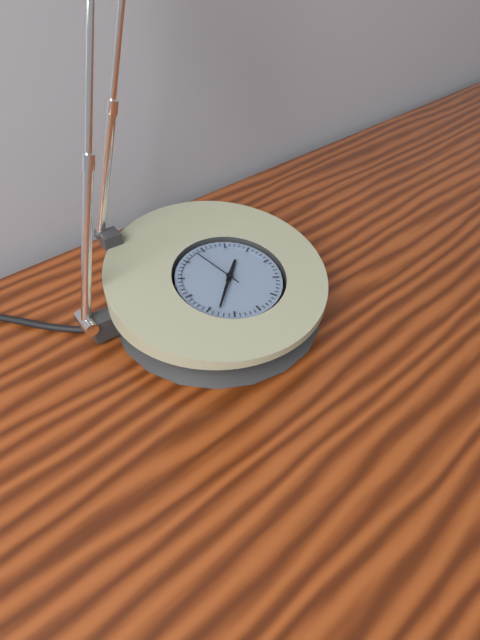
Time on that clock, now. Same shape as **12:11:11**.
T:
**1:38:58**
